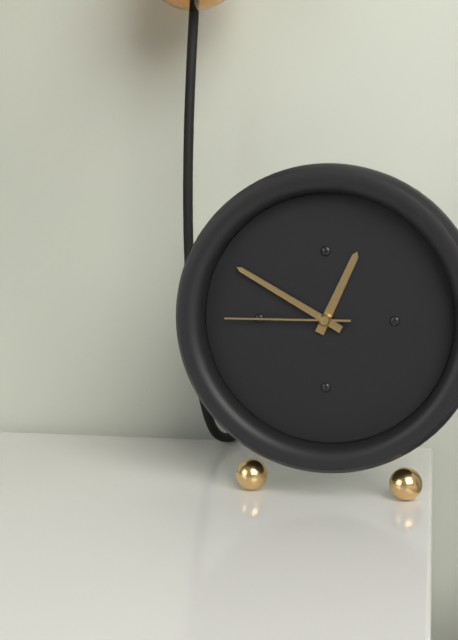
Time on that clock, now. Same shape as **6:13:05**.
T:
**12:50:45**
